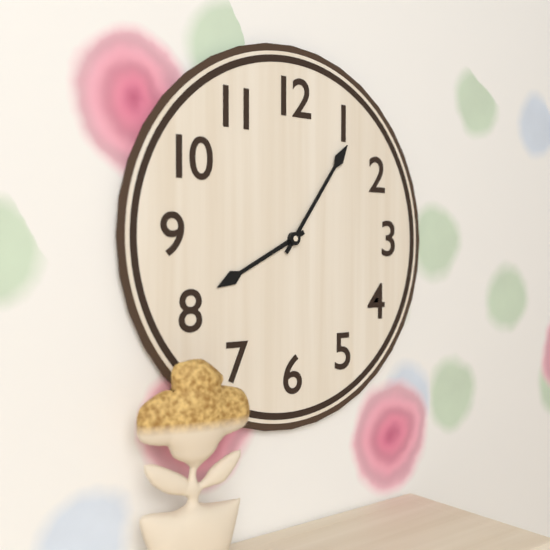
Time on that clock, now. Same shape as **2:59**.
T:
**8:06**
